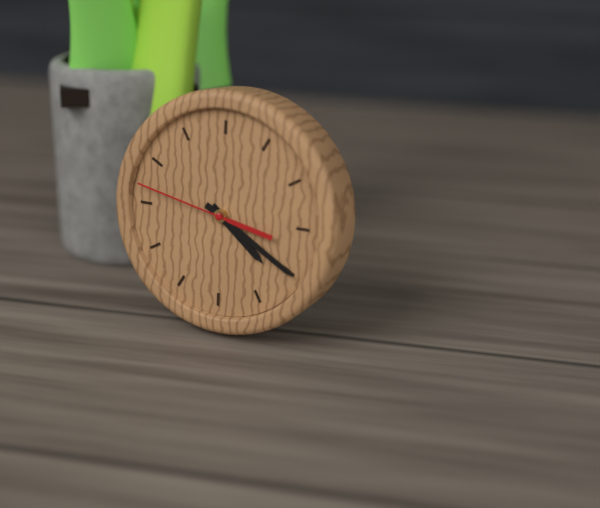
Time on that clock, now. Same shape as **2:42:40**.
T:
**4:20:47**
